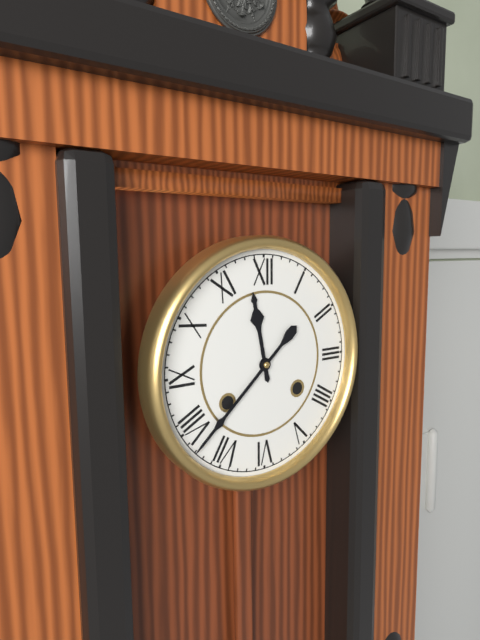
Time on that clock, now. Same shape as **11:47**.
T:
**11:38**
